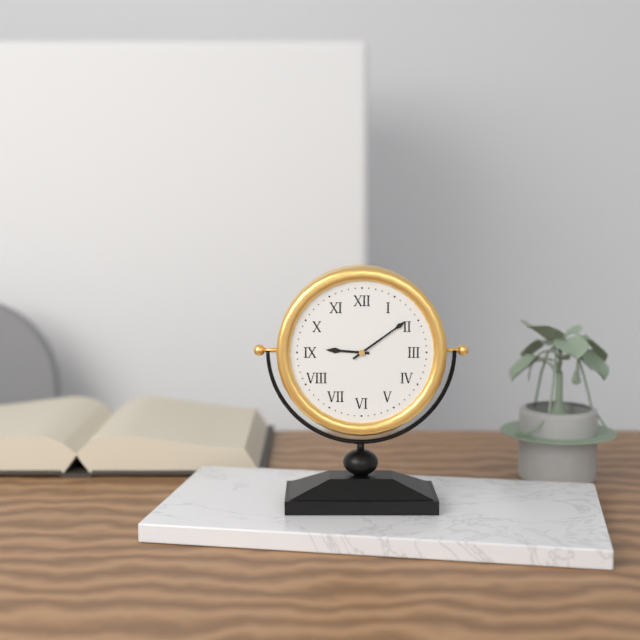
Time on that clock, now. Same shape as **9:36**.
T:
**9:09**
